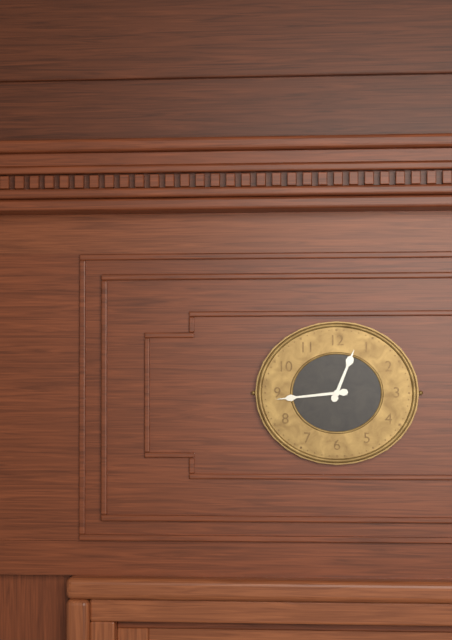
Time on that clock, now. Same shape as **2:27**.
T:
**12:44**
